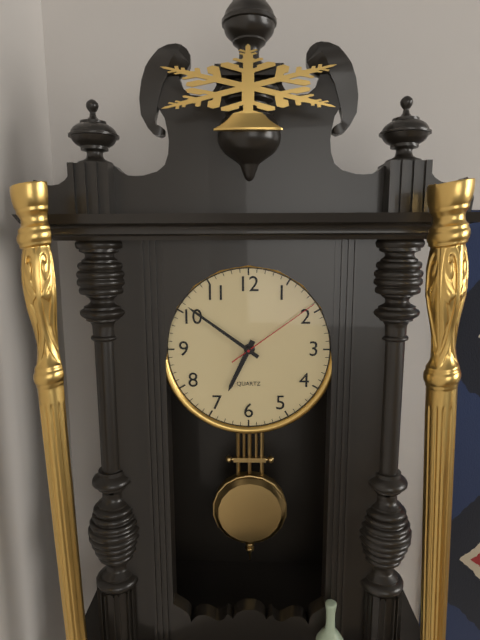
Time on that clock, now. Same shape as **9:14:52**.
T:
**6:51:09**
